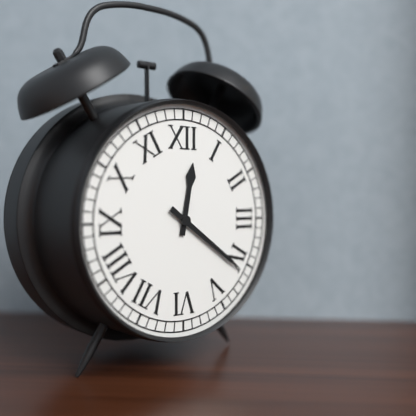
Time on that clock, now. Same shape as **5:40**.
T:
**12:21**
